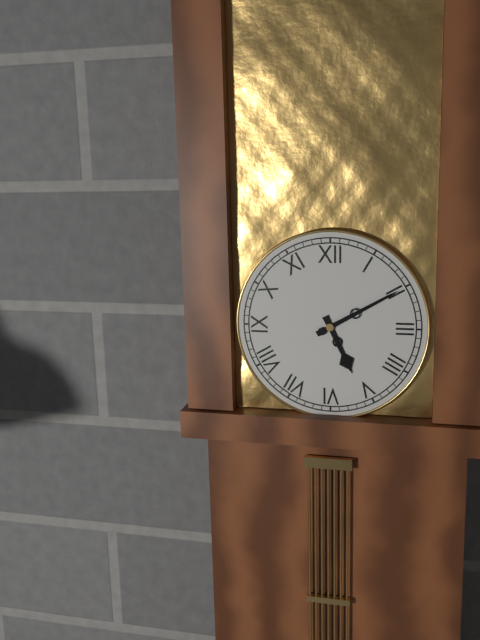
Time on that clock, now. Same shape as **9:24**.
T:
**5:10**
